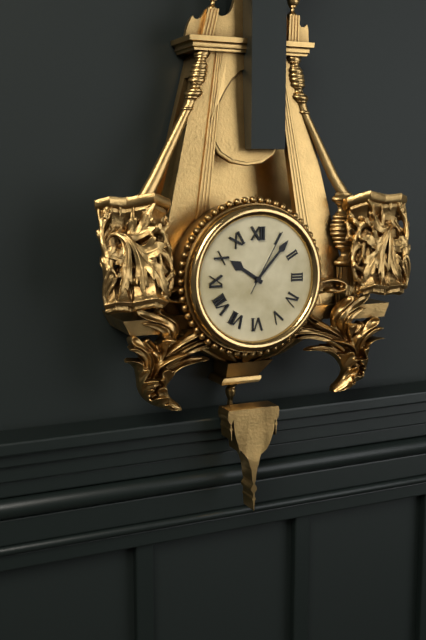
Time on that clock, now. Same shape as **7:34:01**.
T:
**10:07:05**
